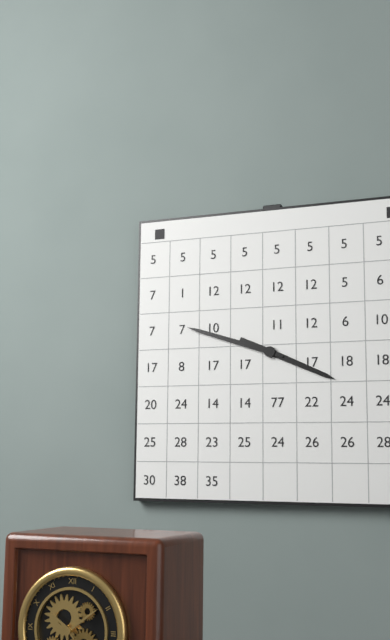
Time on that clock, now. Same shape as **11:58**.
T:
**3:48**
